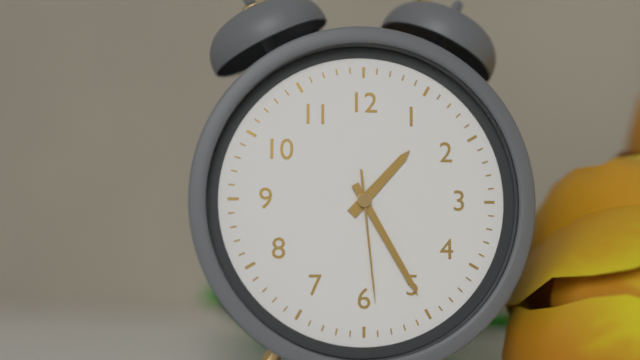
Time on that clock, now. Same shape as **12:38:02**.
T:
**1:25:29**
